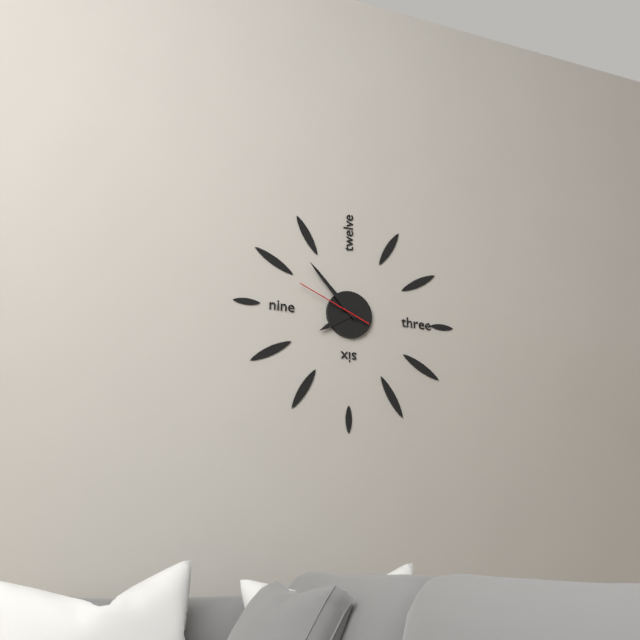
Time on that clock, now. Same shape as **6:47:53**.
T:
**7:53:49**
